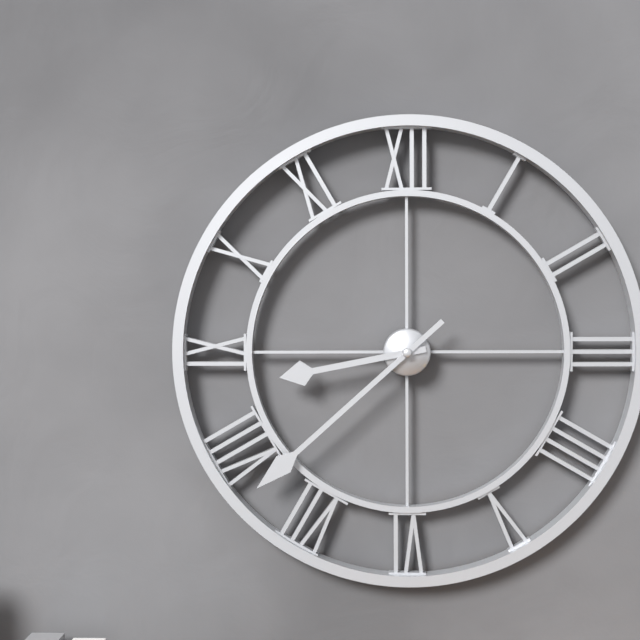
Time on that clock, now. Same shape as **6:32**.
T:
**8:38**
